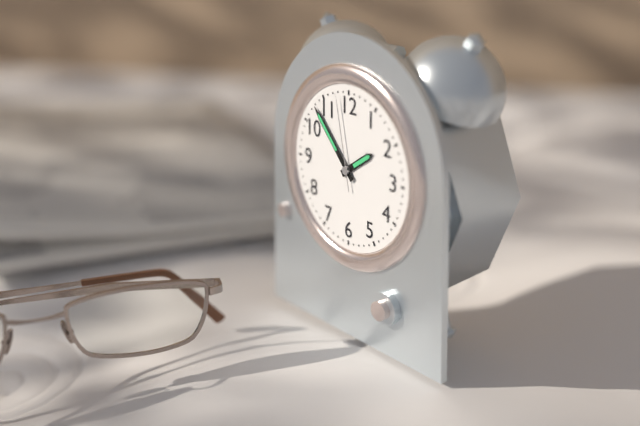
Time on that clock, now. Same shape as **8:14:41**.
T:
**1:53:58**
